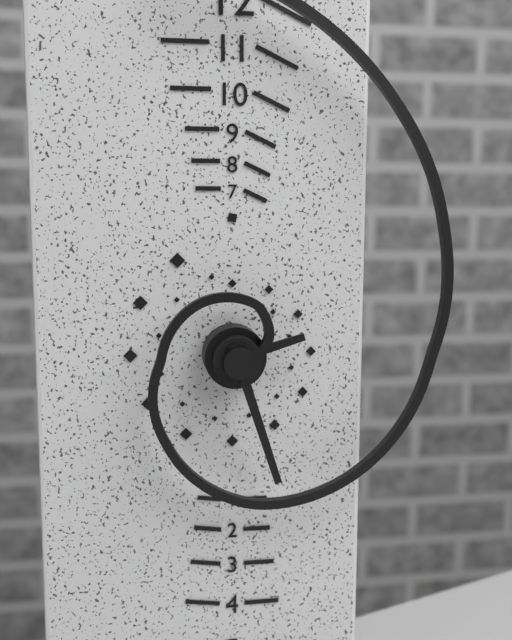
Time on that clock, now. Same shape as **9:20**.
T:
**2:27**
